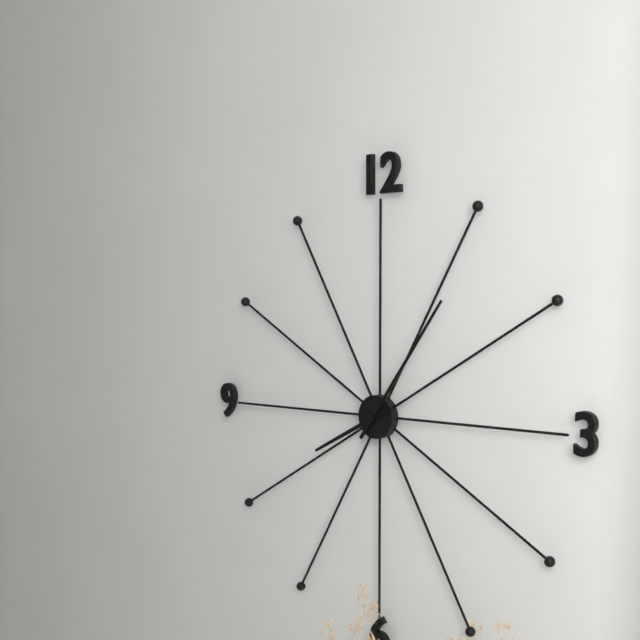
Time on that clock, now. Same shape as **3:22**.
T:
**8:06**
